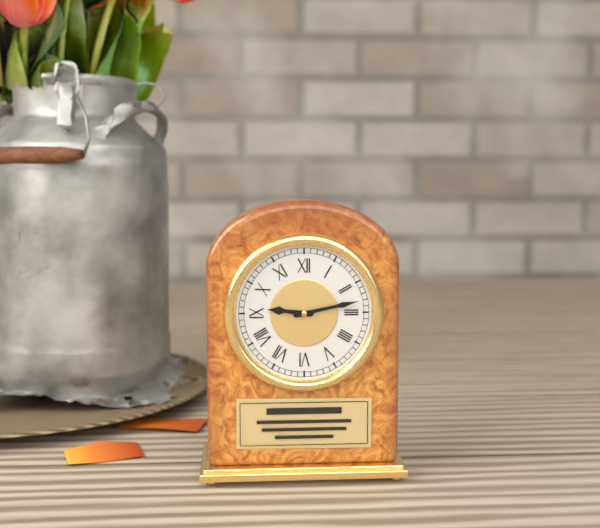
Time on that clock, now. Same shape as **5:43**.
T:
**9:13**
